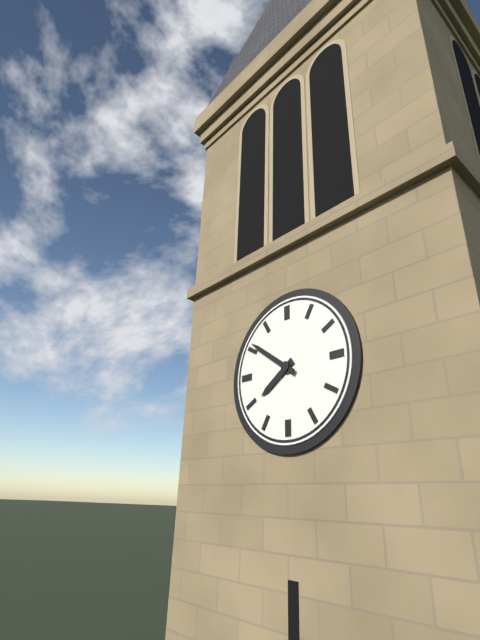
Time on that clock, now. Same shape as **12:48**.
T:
**7:51**
